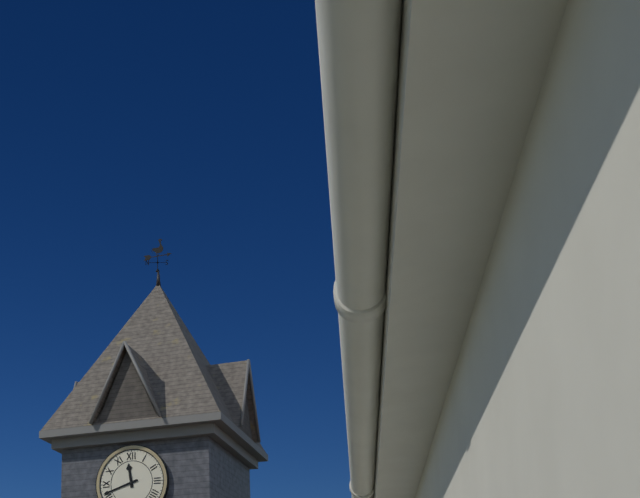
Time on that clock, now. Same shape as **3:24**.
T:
**11:42**
